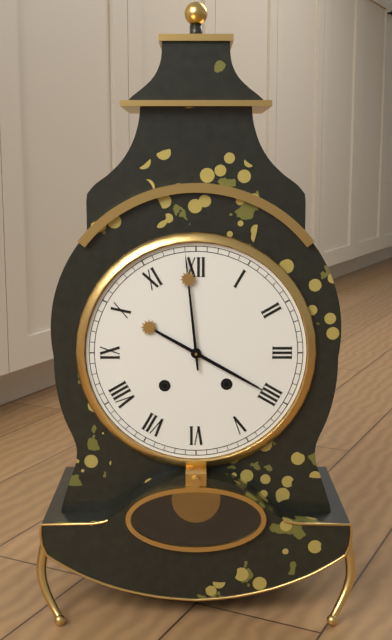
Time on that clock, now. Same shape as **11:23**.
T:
**3:59**
